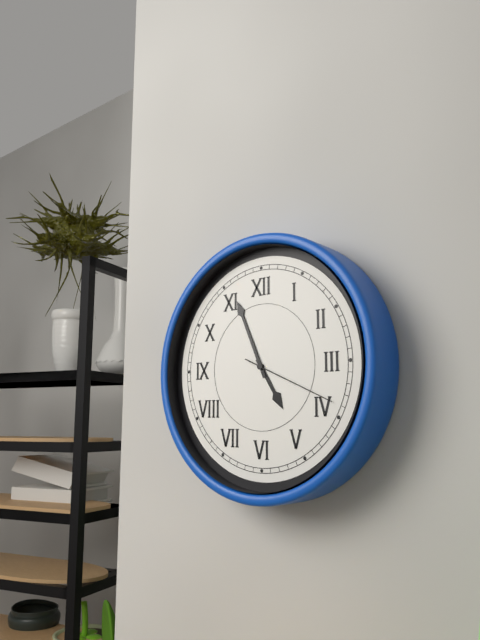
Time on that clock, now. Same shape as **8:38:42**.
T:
**4:56:19**
